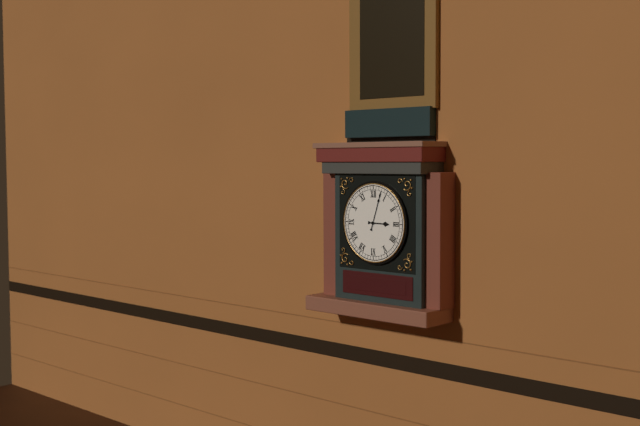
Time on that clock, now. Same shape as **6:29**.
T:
**3:03**
